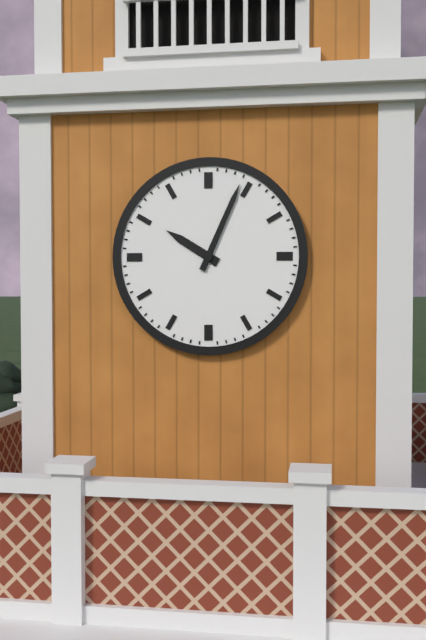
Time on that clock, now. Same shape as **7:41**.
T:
**10:04**
